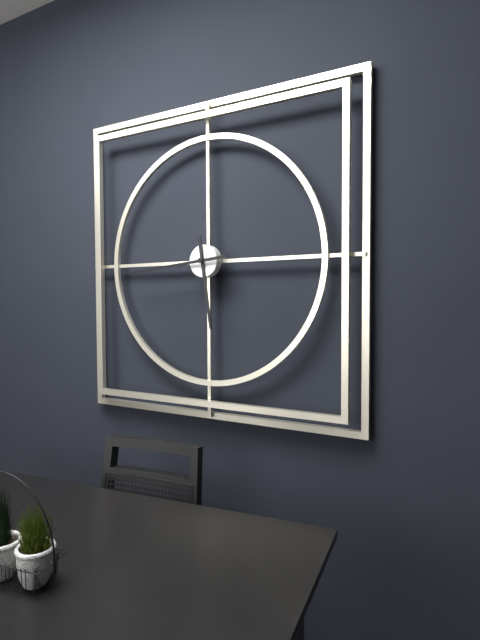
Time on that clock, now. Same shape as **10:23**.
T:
**5:44**
